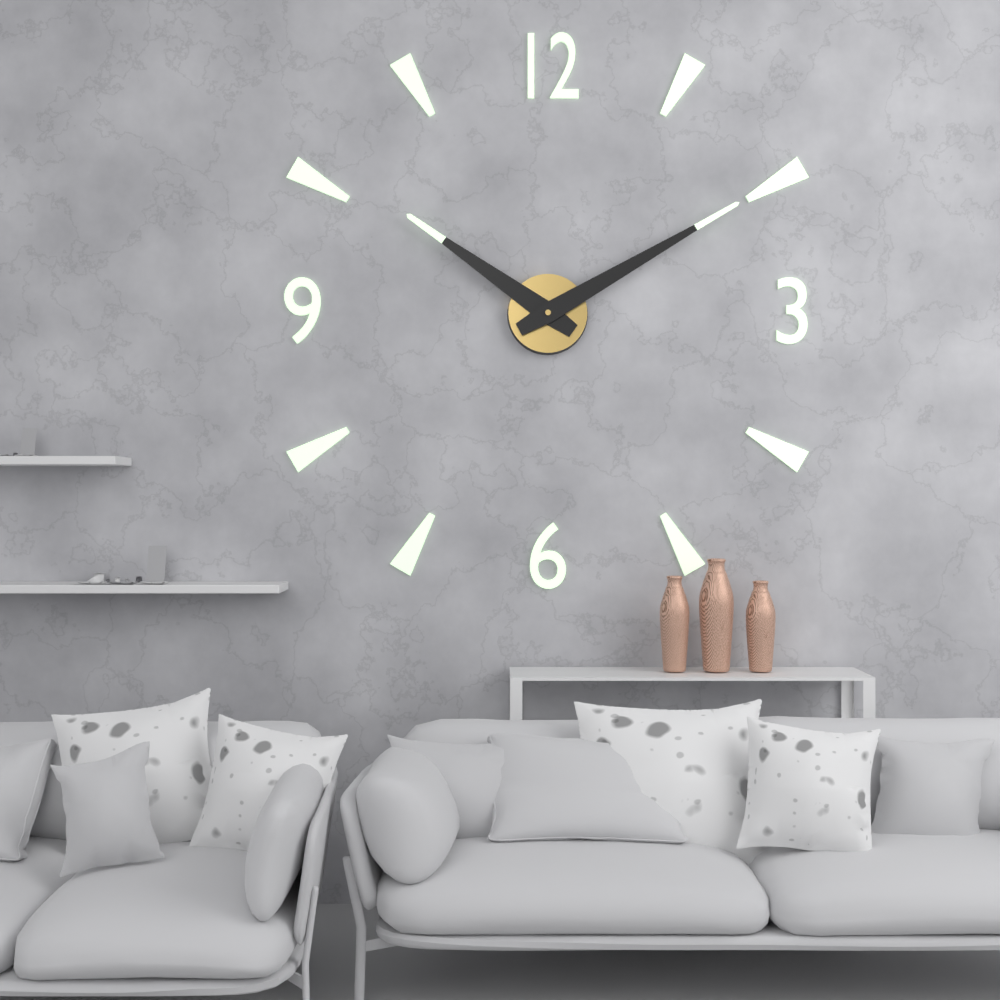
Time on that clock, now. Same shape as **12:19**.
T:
**10:10**
